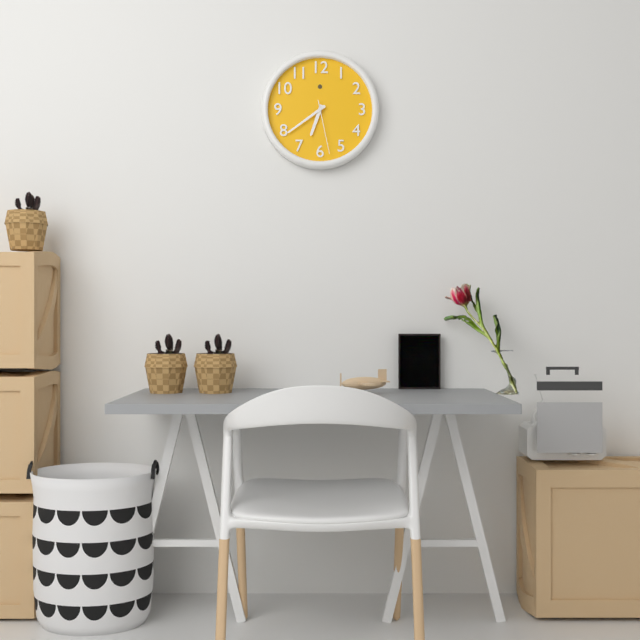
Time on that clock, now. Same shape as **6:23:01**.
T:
**6:39:28**
